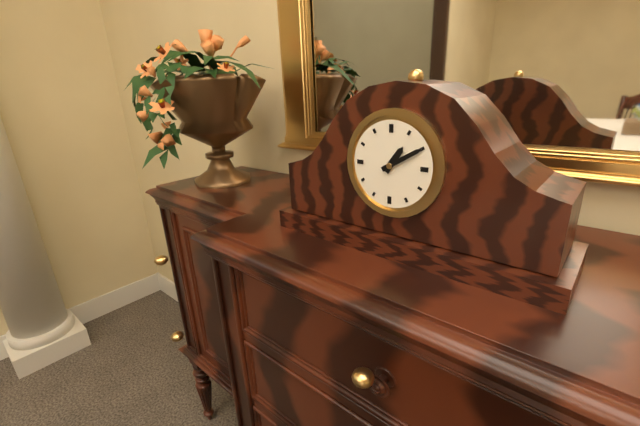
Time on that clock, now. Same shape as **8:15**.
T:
**1:10**
